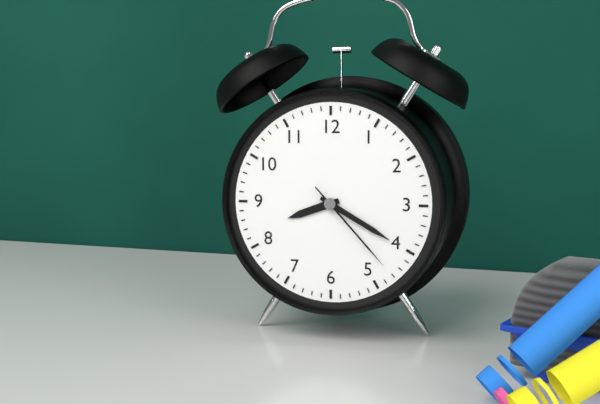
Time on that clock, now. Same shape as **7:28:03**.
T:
**8:20:23**
